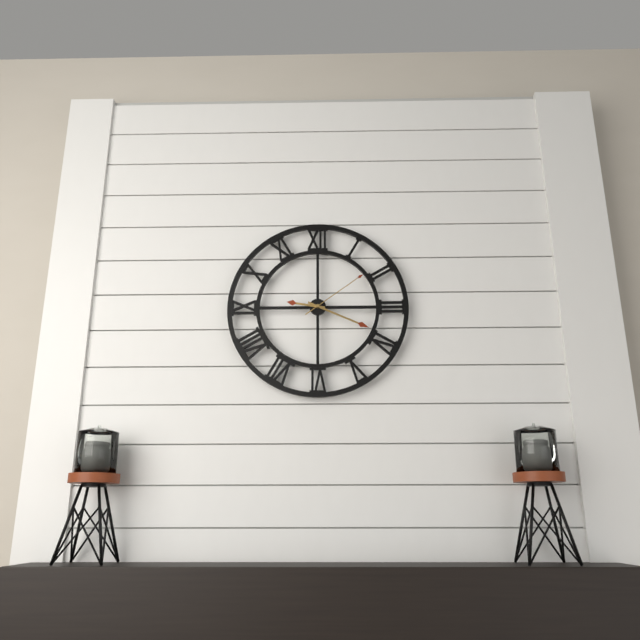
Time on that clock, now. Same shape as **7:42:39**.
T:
**9:19:09**
